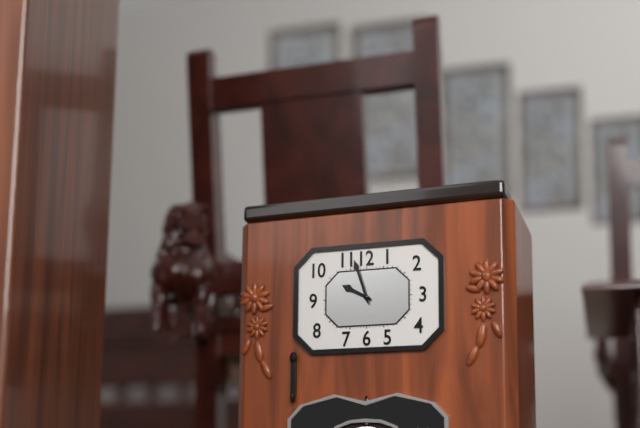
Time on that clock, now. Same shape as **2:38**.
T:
**9:57**
